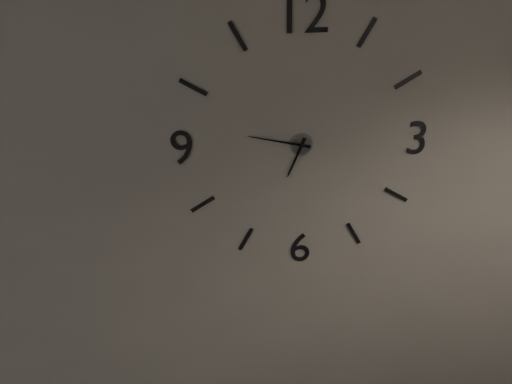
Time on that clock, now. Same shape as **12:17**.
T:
**6:47**
